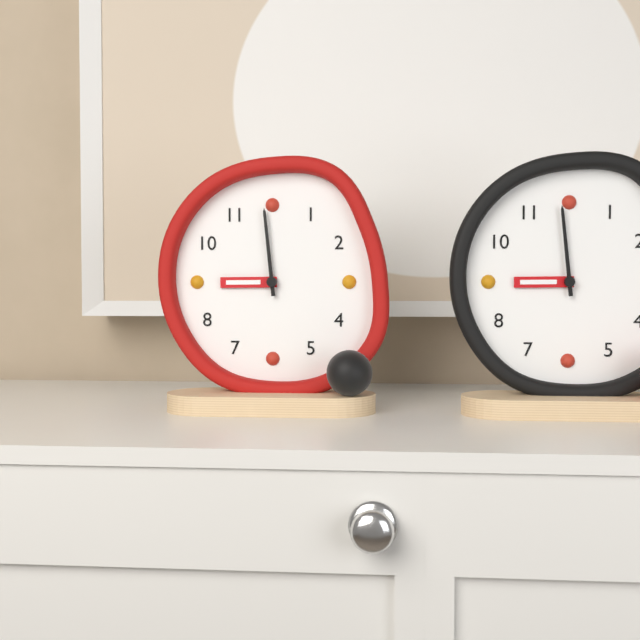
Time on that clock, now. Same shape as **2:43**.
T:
**8:59**
